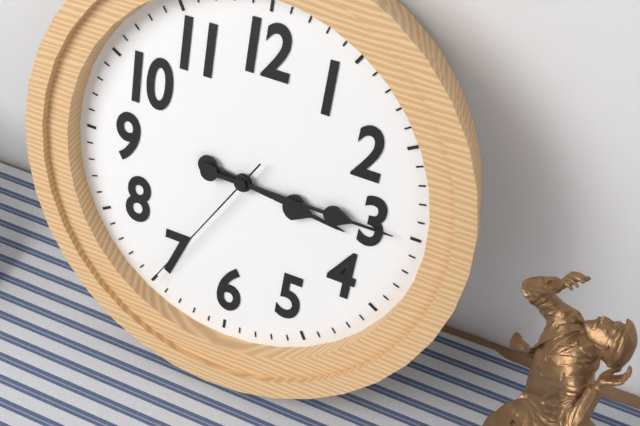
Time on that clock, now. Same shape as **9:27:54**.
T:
**3:15:35**
